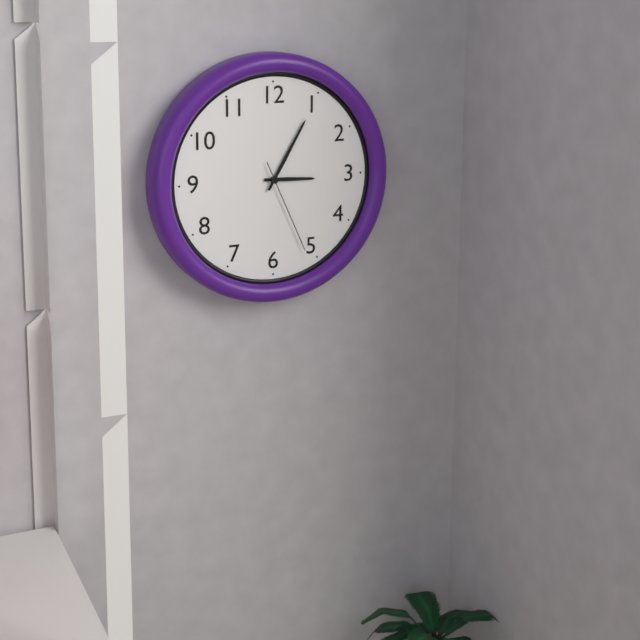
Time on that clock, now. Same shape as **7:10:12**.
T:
**3:05:26**
